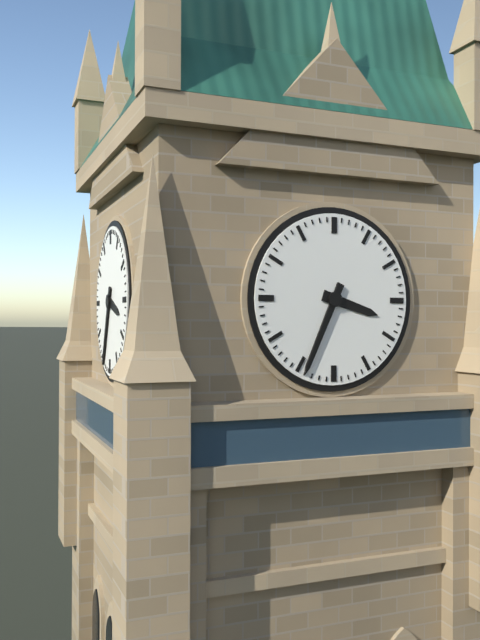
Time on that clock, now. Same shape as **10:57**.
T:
**3:34**
